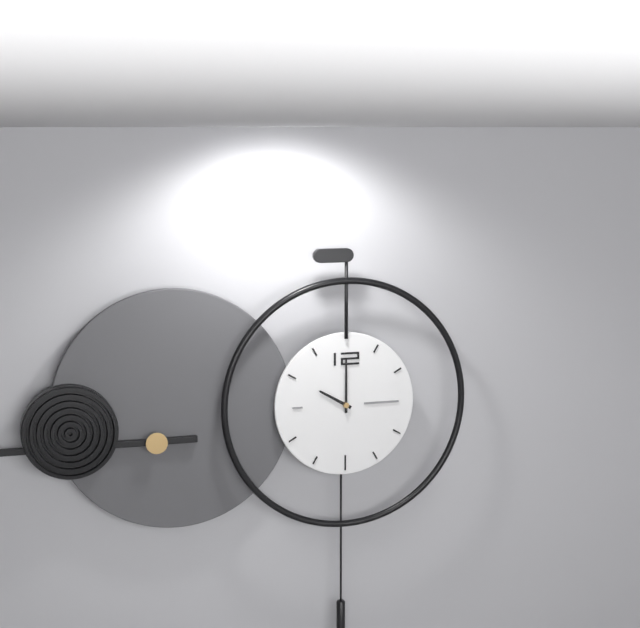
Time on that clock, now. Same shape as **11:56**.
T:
**10:00**
